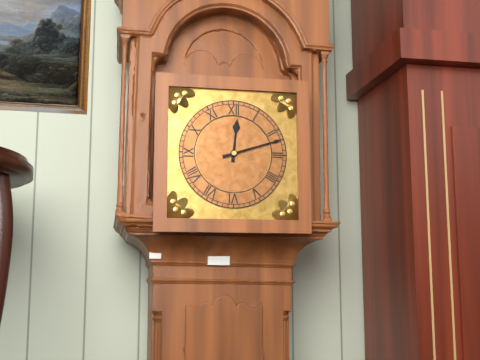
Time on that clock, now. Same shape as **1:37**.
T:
**12:12**
